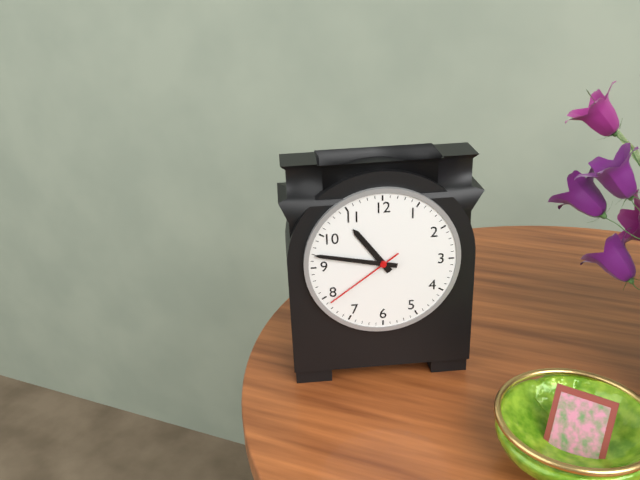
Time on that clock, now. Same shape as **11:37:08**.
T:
**10:47:39**
